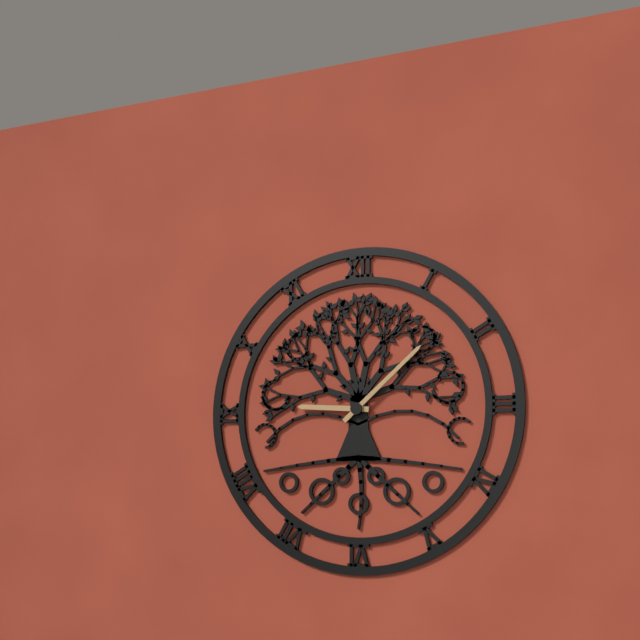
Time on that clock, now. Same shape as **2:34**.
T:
**9:08**
